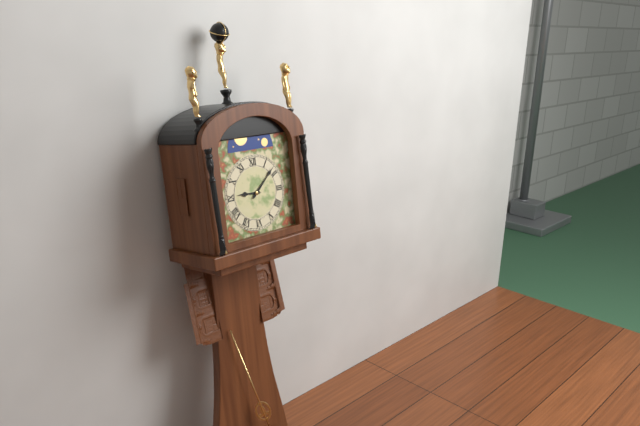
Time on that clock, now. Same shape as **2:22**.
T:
**9:08**
